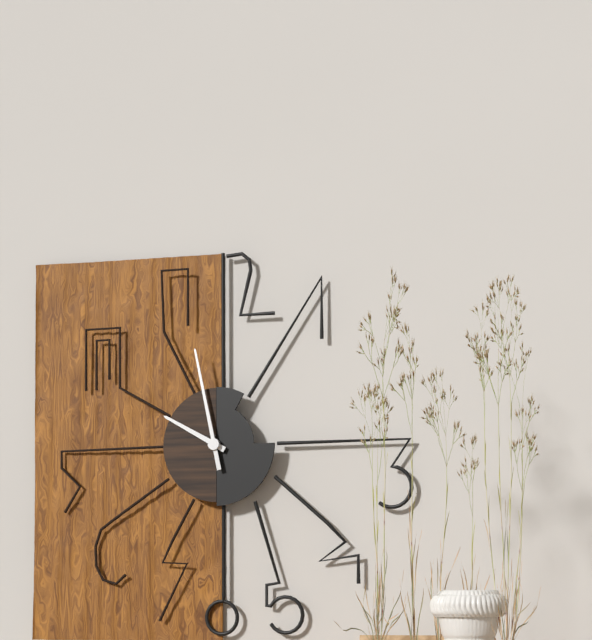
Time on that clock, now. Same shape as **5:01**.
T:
**9:58**
